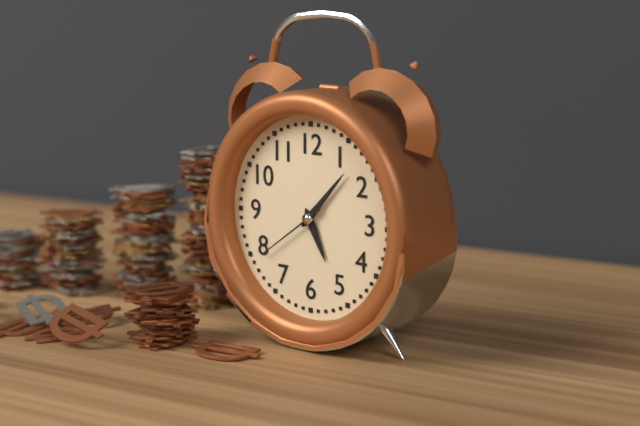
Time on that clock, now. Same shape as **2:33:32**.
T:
**5:07:39**
